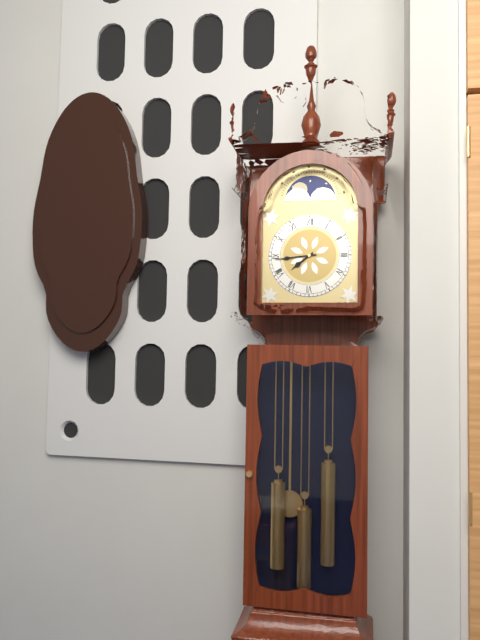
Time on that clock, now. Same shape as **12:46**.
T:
**7:44**
